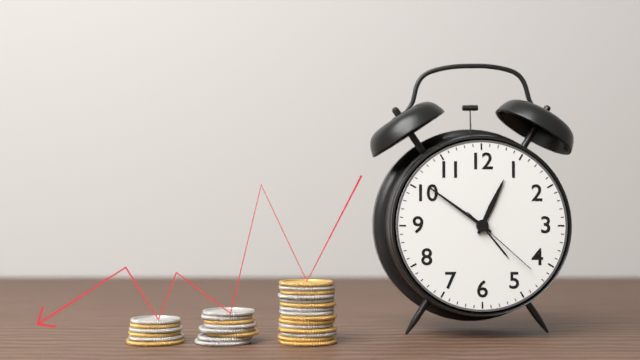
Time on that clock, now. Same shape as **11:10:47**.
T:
**12:51:22**
